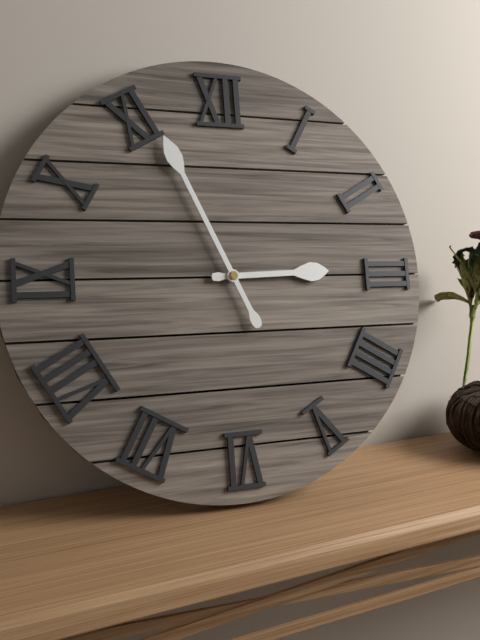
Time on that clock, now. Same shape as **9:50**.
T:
**2:56**
